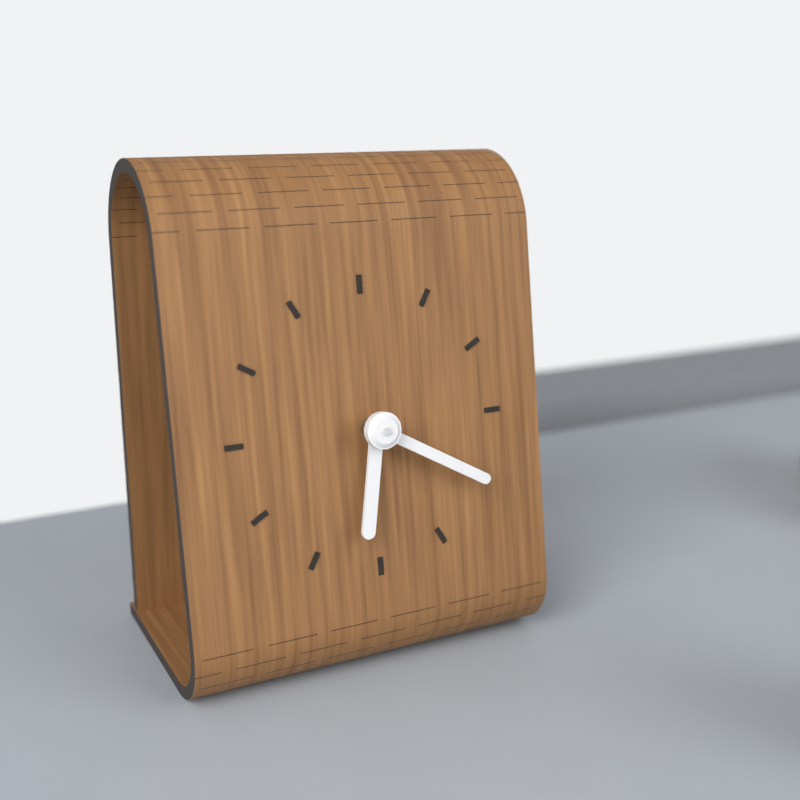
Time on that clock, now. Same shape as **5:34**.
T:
**6:20**
